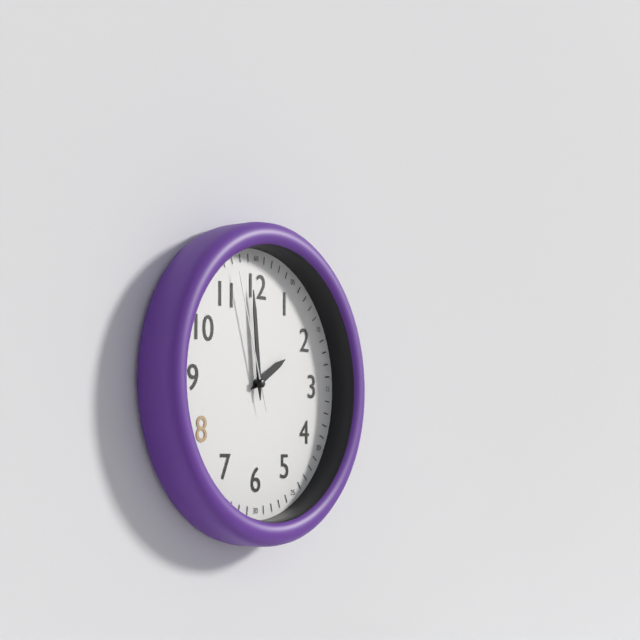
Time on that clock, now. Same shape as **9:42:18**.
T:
**1:59:57**
